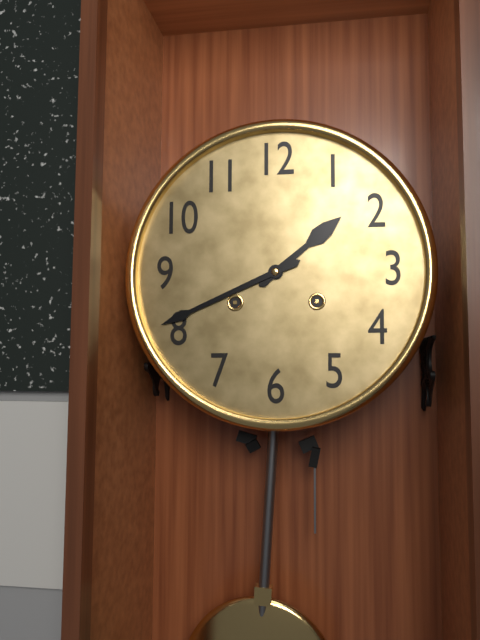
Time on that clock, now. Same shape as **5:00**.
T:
**1:41**
